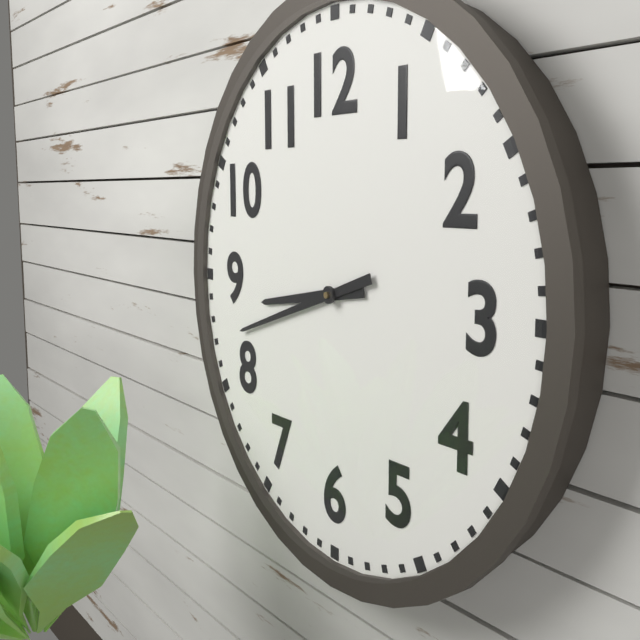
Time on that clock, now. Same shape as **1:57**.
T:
**8:42**
